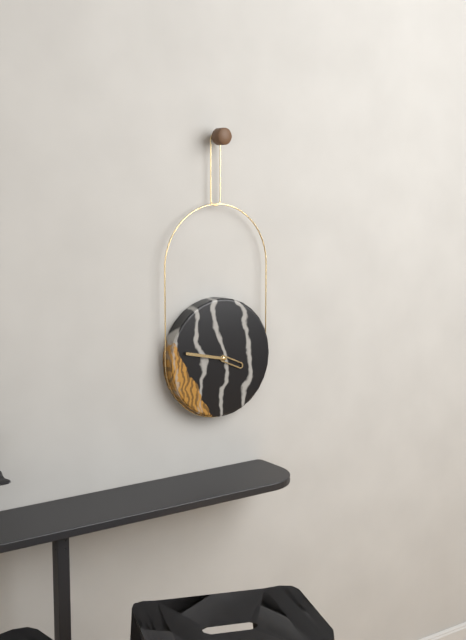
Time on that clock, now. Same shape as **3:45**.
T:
**3:47**
